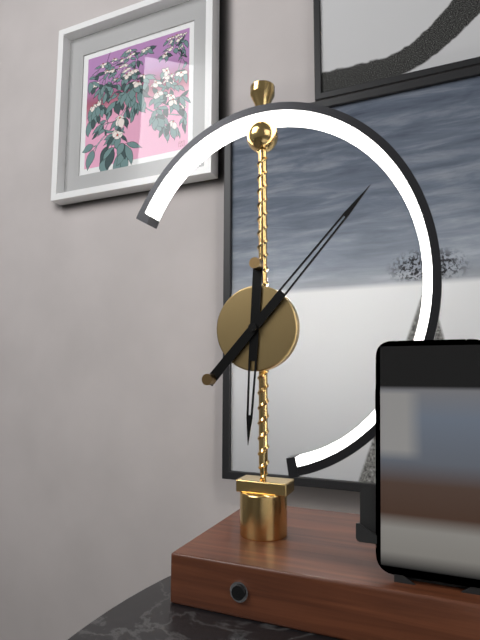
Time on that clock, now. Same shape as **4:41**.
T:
**6:07**
